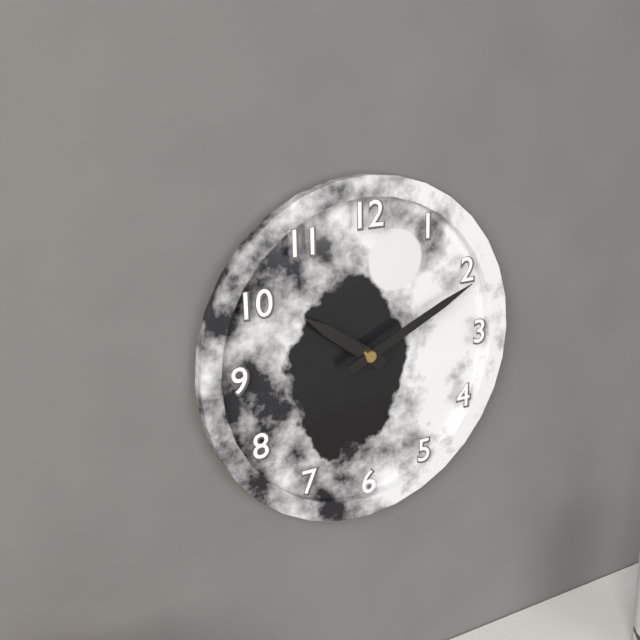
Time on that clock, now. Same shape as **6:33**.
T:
**10:11**
